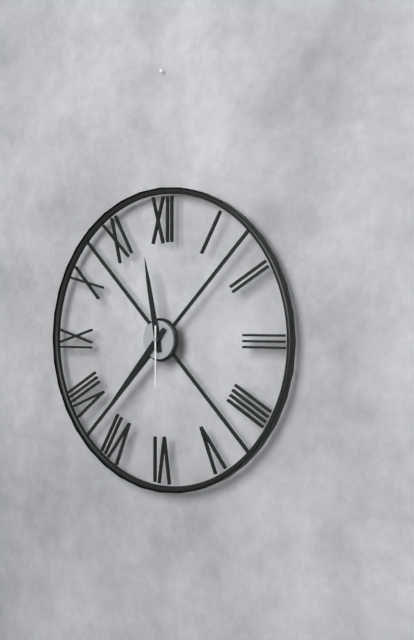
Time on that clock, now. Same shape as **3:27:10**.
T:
**11:37:30**
